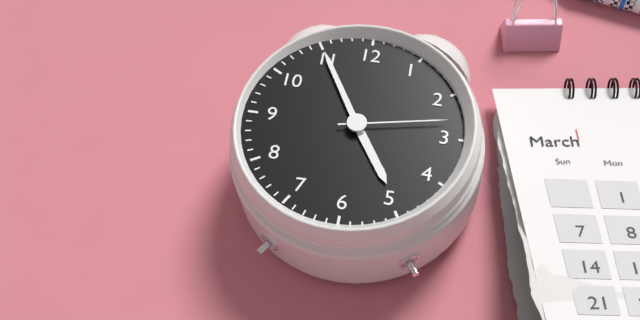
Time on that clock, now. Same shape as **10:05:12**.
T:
**4:55:13**
